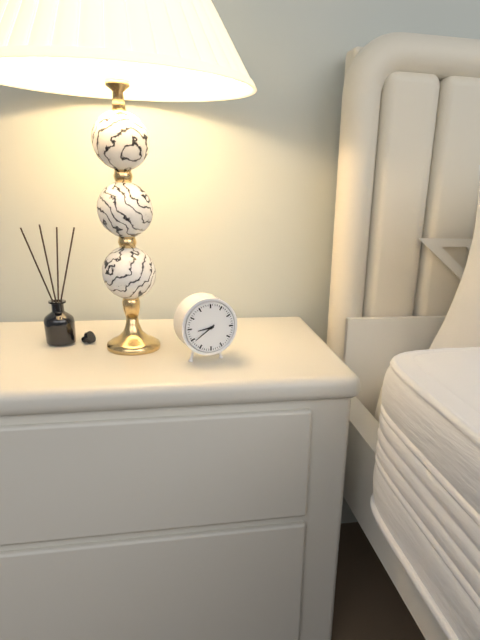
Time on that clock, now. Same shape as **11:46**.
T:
**8:39**
